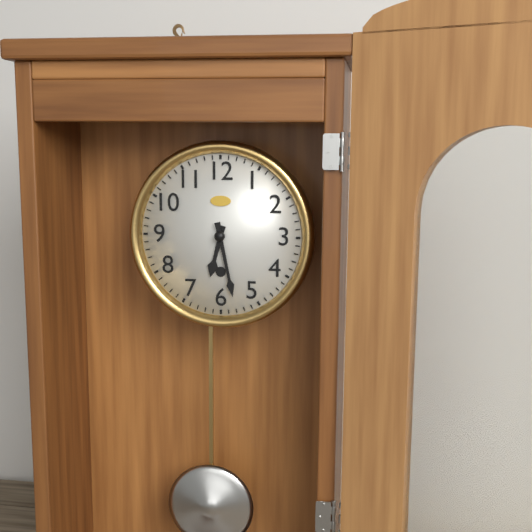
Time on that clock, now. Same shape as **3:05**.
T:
**6:28**
